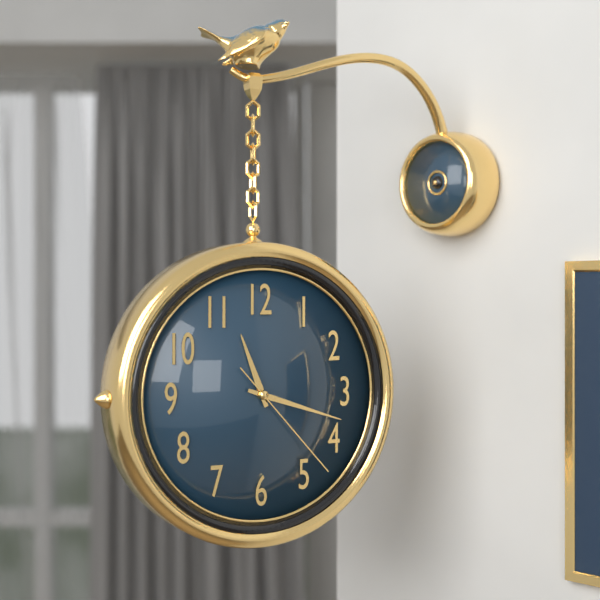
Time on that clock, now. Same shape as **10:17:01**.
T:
**11:18:23**
